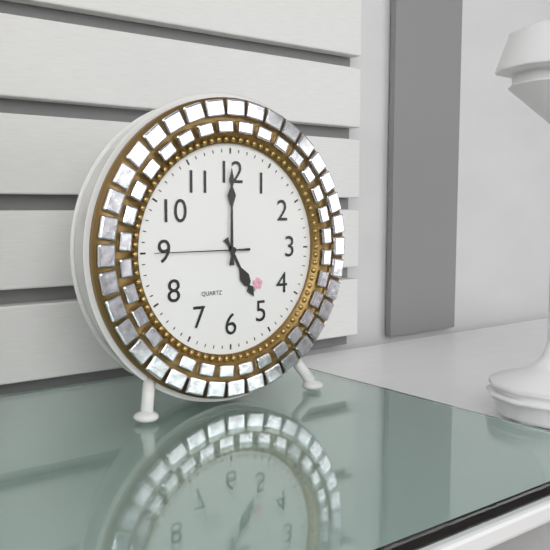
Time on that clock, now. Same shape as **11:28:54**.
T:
**5:00:45**
